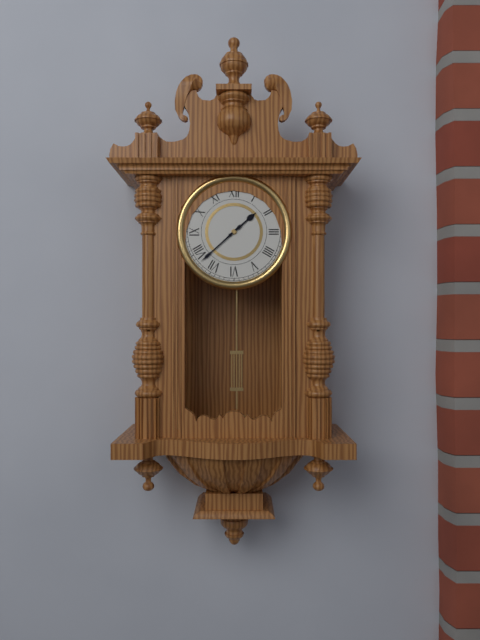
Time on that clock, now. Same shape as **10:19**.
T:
**1:38**
